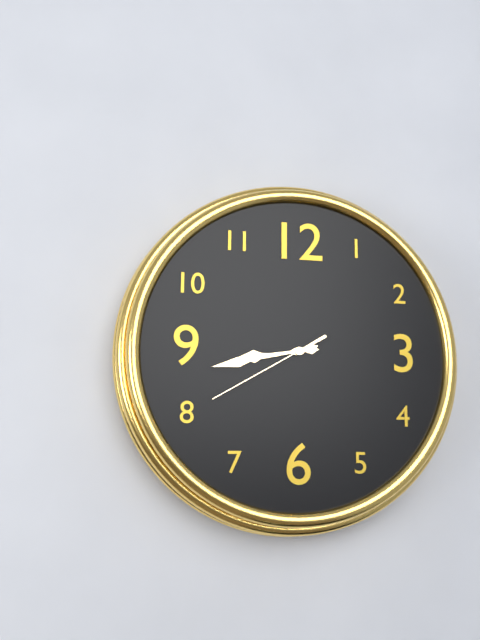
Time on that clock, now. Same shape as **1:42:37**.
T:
**8:43:40**
